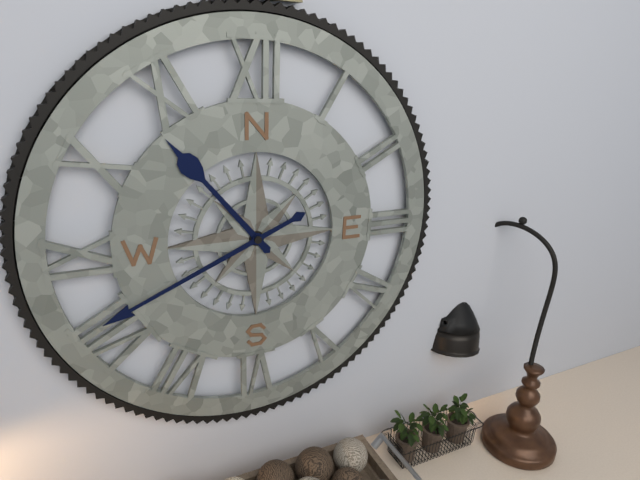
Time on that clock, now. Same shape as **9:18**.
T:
**10:41**
